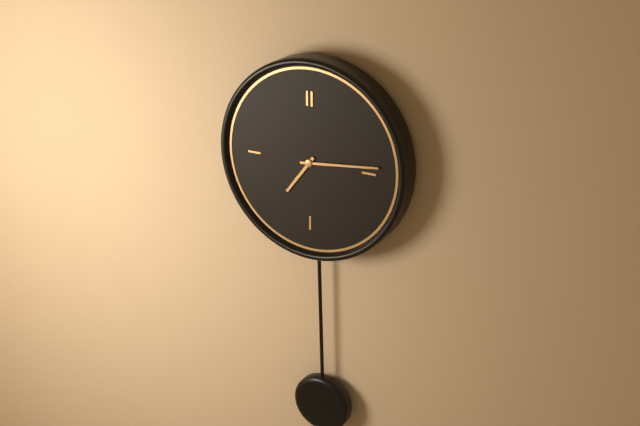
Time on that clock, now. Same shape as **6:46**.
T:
**7:14**
